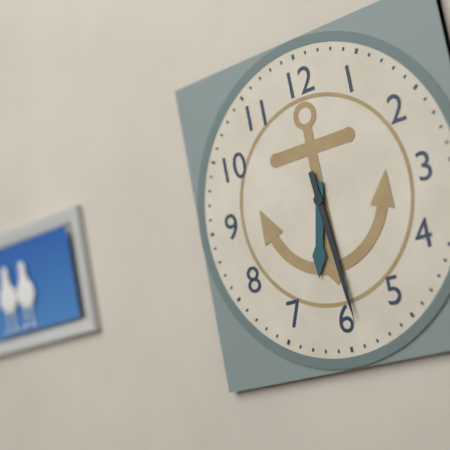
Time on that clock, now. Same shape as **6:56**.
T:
**6:29**
